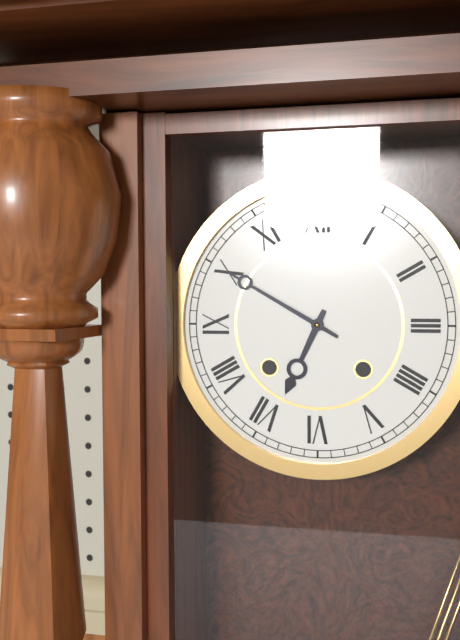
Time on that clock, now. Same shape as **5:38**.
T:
**6:50**
